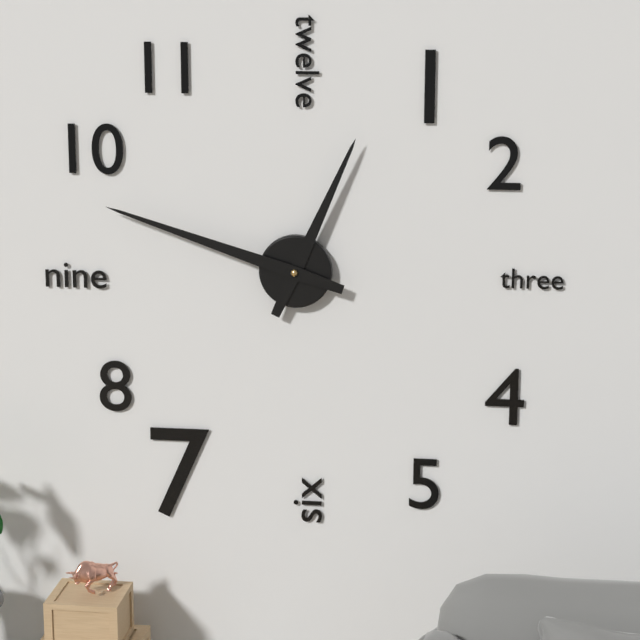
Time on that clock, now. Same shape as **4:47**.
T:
**12:48**
